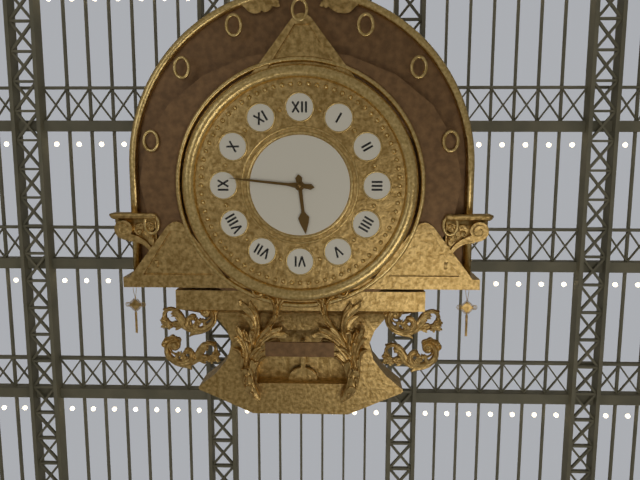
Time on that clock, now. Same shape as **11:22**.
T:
**5:46**
